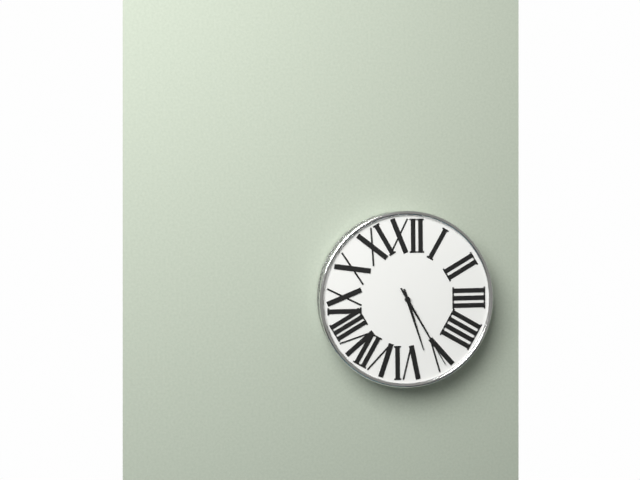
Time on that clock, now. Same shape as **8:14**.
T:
**5:25**
